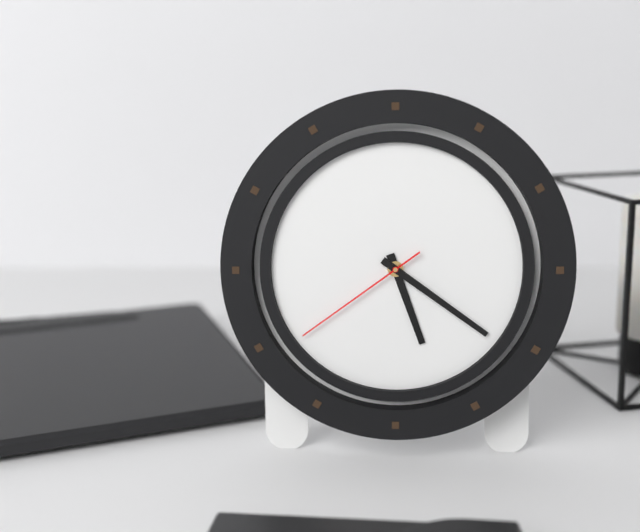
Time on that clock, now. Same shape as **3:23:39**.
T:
**5:21:39**
